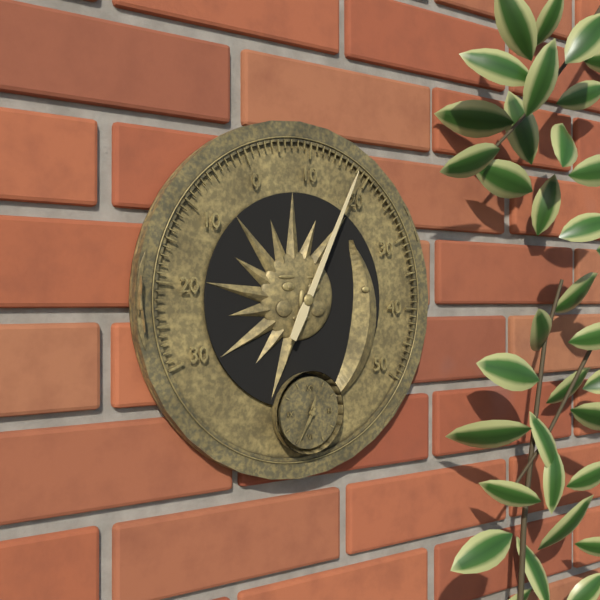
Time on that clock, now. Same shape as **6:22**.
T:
**12:35**
